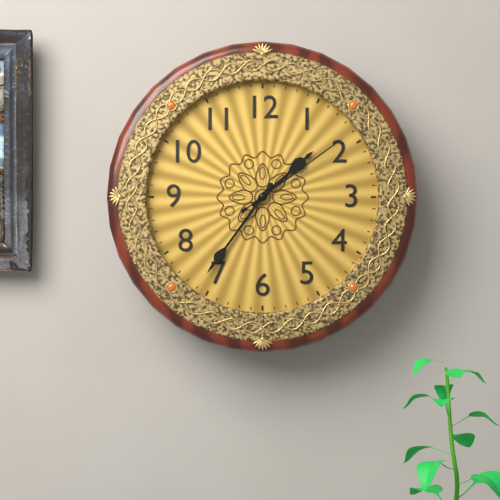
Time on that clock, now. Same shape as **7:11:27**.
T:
**1:36:09**
